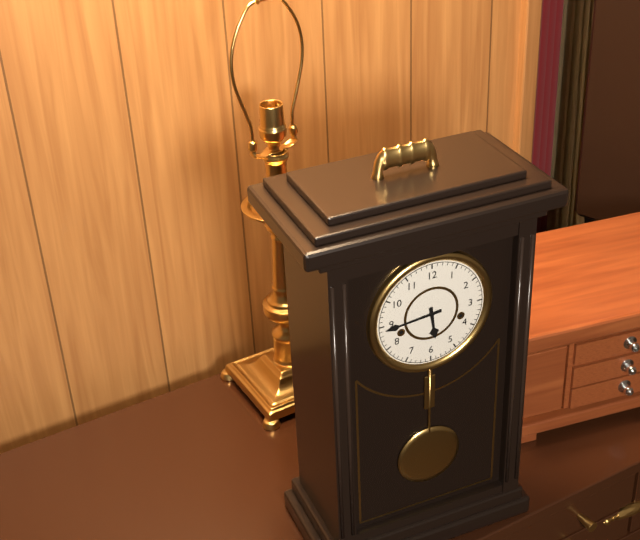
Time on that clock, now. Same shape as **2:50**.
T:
**5:44**
